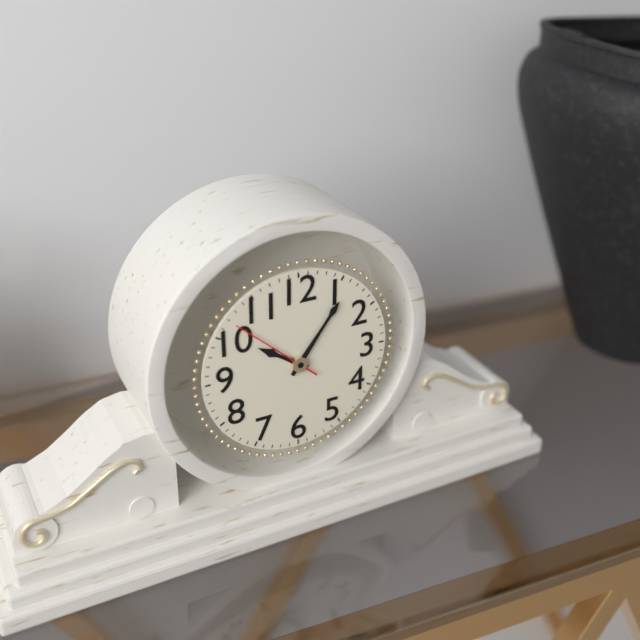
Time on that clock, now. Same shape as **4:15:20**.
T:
**10:06:52**
